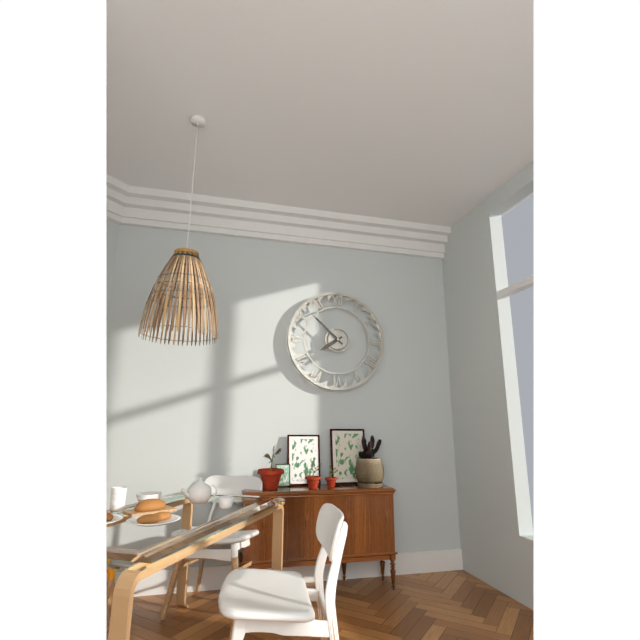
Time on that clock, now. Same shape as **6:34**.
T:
**7:52**
